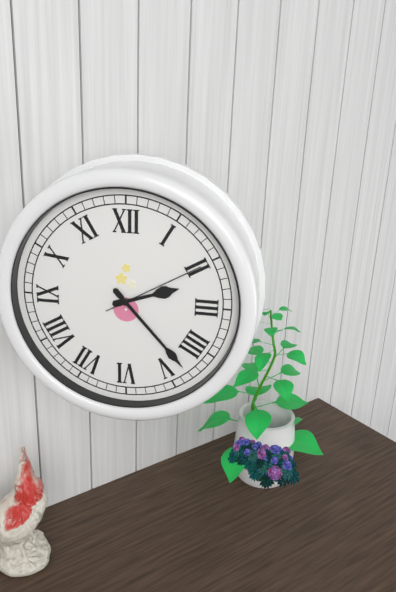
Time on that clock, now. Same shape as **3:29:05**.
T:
**2:23:10**
